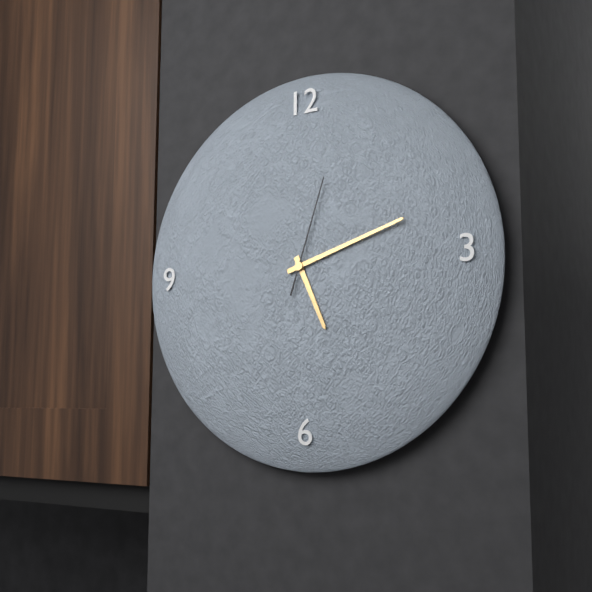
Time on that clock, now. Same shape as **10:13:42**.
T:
**5:12:03**
